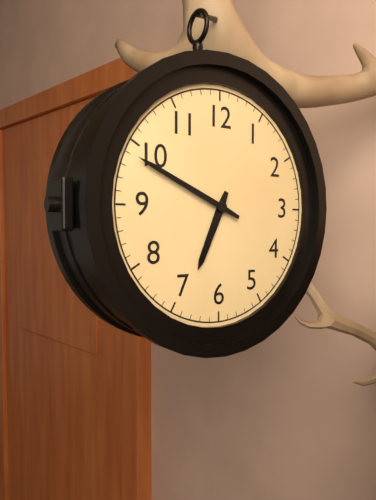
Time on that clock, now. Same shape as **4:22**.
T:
**6:49**
